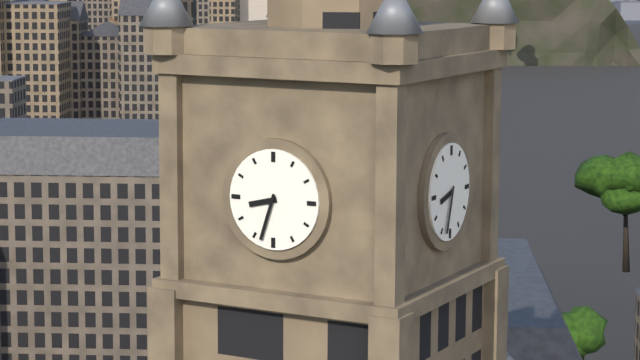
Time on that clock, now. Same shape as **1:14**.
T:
**8:33**
